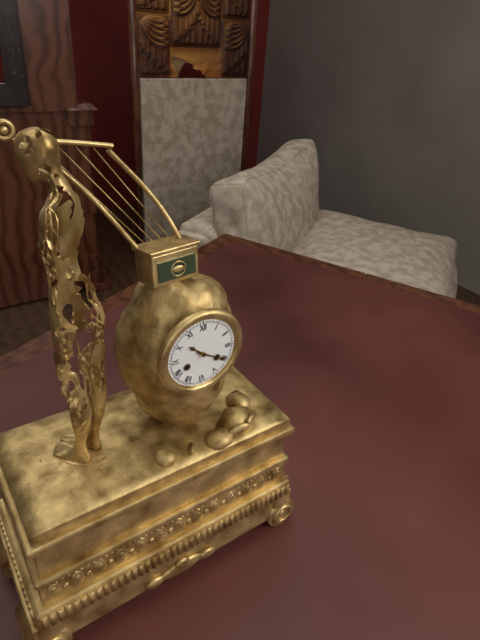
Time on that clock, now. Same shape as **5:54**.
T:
**10:20**
